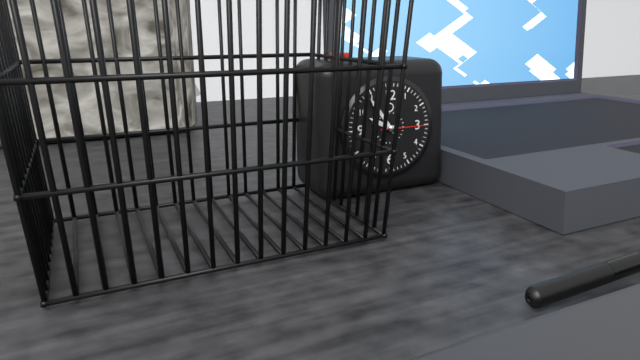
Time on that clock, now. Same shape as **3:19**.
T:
**9:54**
